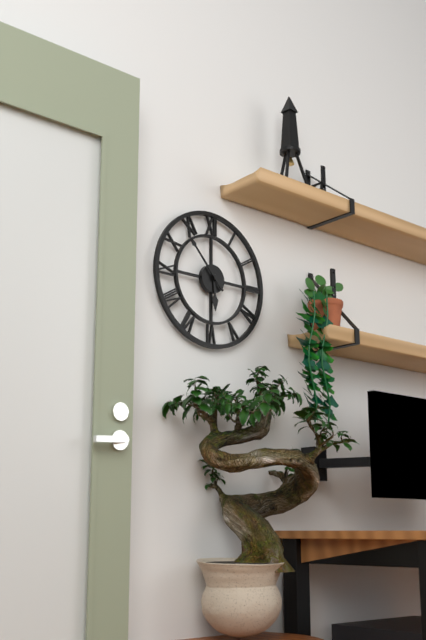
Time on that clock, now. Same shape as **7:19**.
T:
**5:53**
